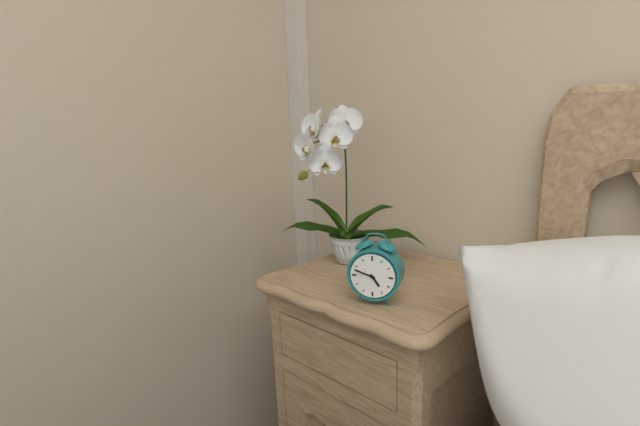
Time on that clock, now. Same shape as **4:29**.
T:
**4:48**
